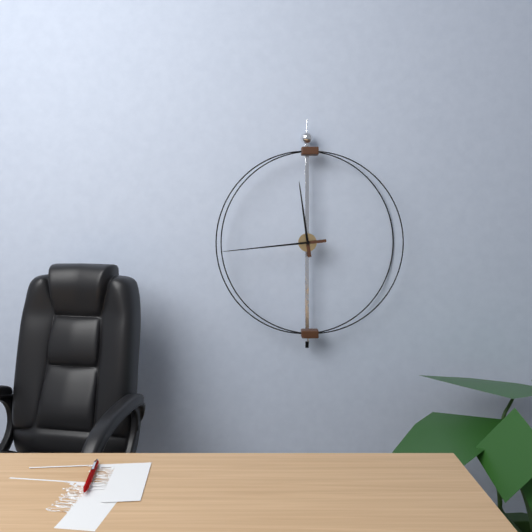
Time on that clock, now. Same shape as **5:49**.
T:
**11:44**
